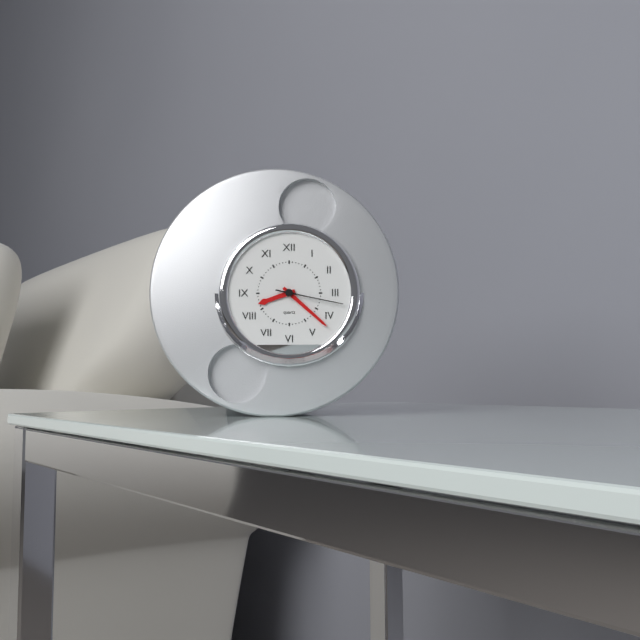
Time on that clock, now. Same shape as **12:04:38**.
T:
**8:22:17**
